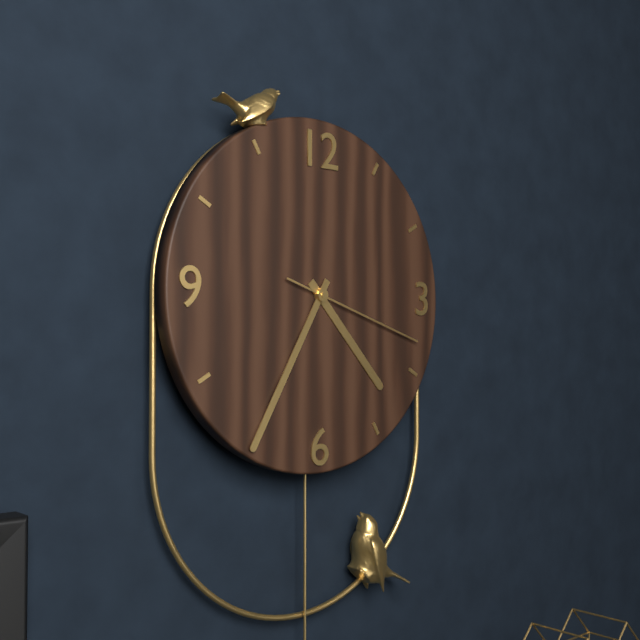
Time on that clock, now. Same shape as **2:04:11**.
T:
**4:35:18**
